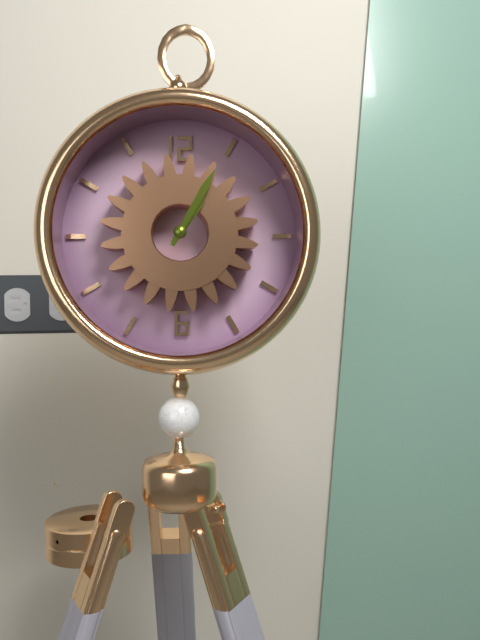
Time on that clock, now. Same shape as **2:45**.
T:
**1:05**
